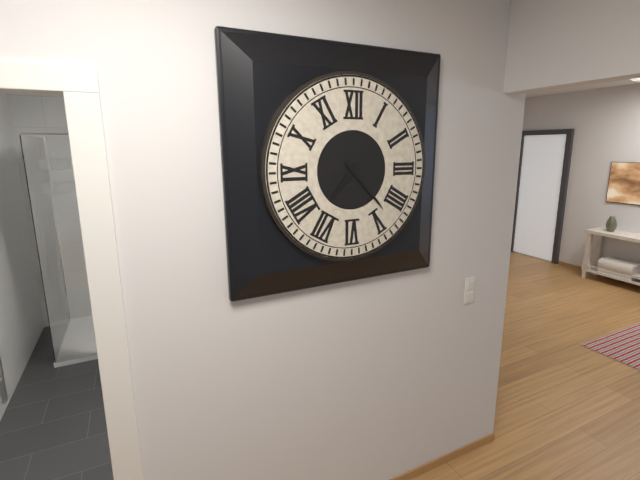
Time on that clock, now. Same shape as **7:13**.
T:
**7:23**
